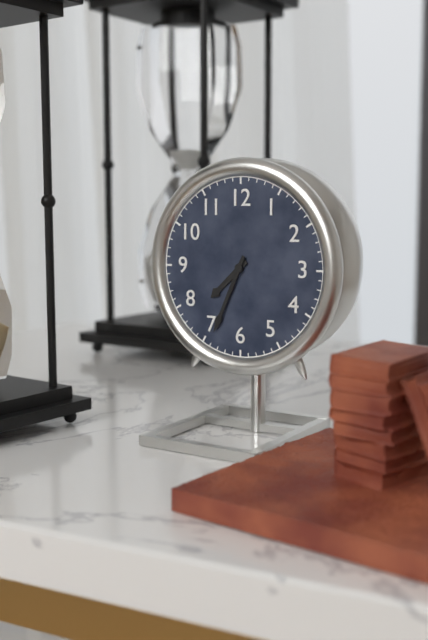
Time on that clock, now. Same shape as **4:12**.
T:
**7:34**
